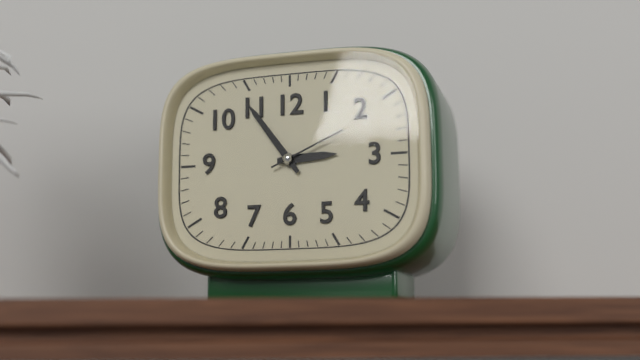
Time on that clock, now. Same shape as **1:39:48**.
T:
**2:54:11**
